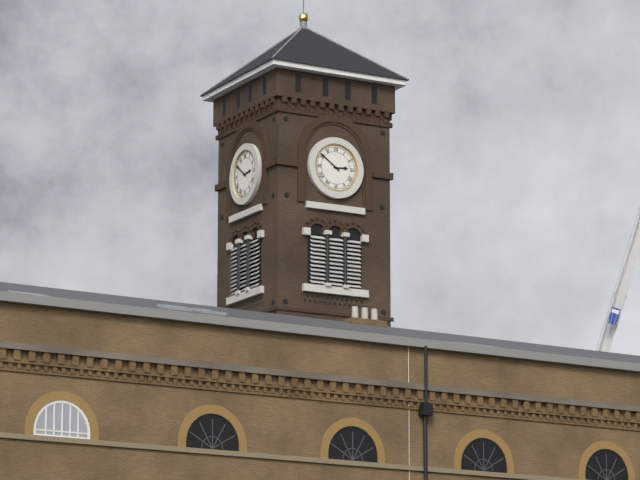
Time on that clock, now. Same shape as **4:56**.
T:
**2:51**
